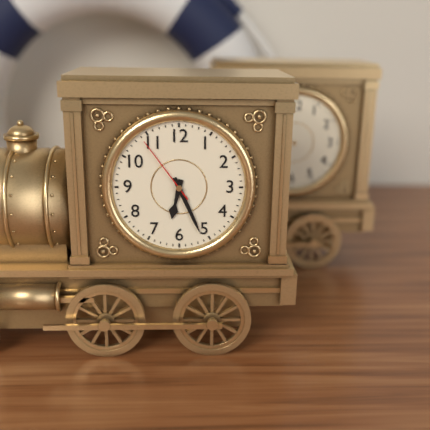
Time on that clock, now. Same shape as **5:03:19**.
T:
**6:26:54**
